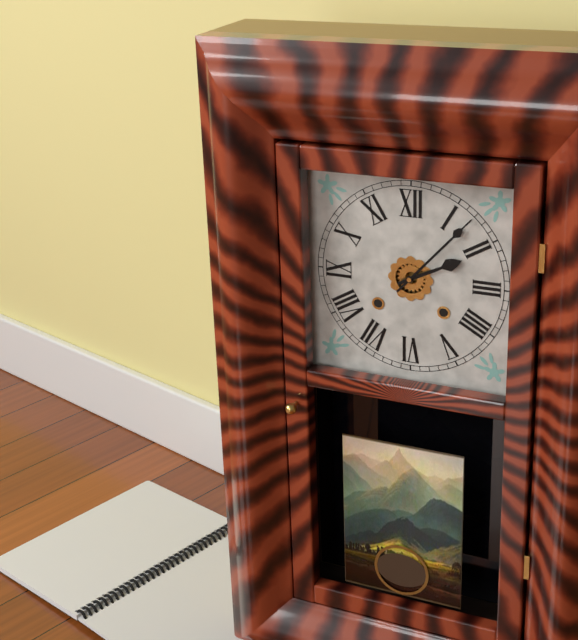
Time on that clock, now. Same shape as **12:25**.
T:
**2:07**
